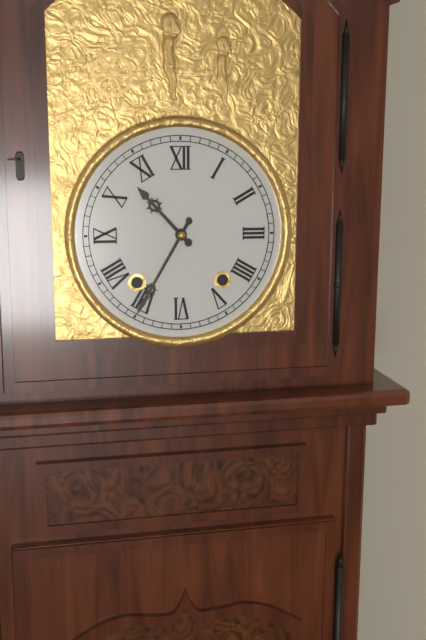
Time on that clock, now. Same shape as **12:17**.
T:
**10:35**
